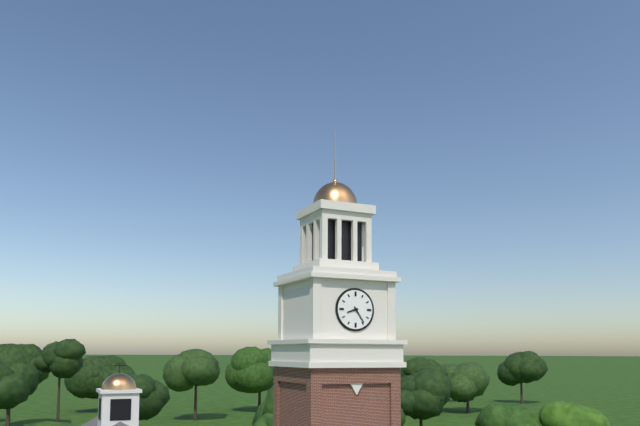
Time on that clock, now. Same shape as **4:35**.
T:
**8:24**
